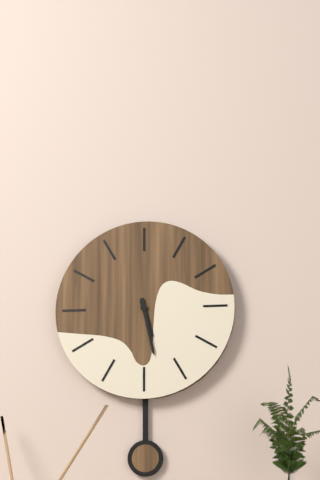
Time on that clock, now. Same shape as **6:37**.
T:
**5:28**
